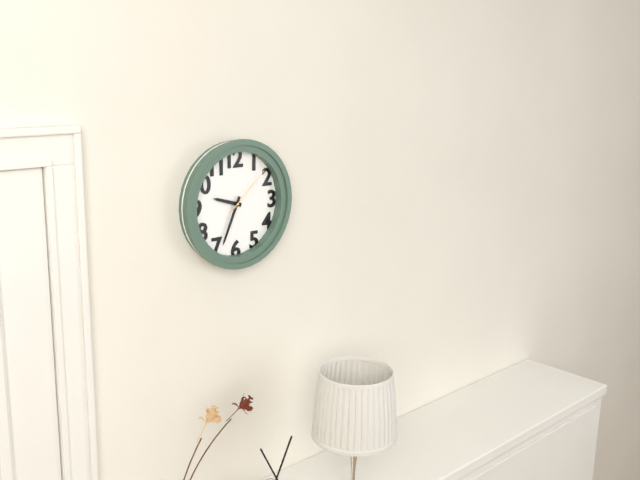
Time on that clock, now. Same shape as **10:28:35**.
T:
**9:34:08**
